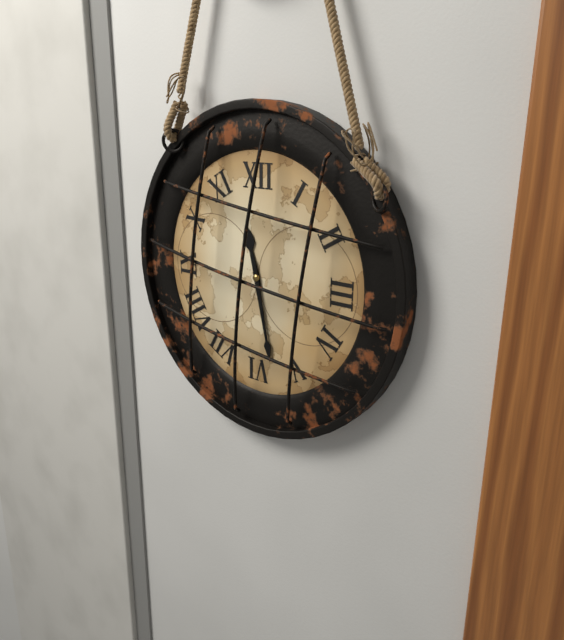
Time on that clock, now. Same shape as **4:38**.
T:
**11:28**
